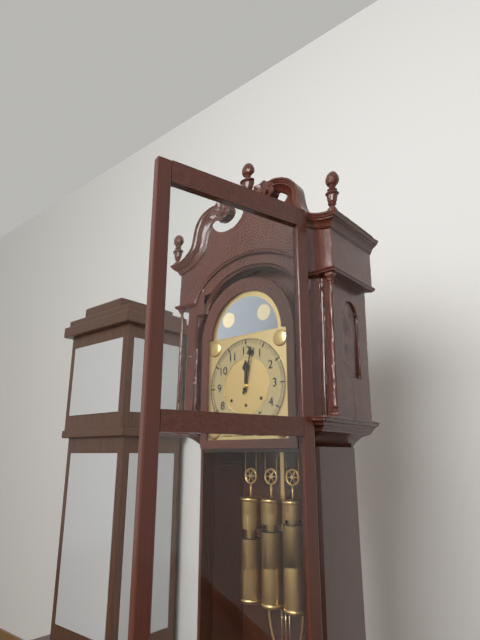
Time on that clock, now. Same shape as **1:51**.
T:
**12:02**
